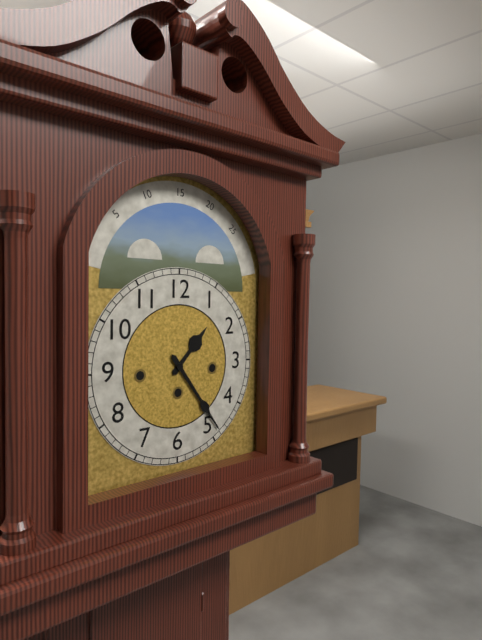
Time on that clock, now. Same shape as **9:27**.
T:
**1:24**
